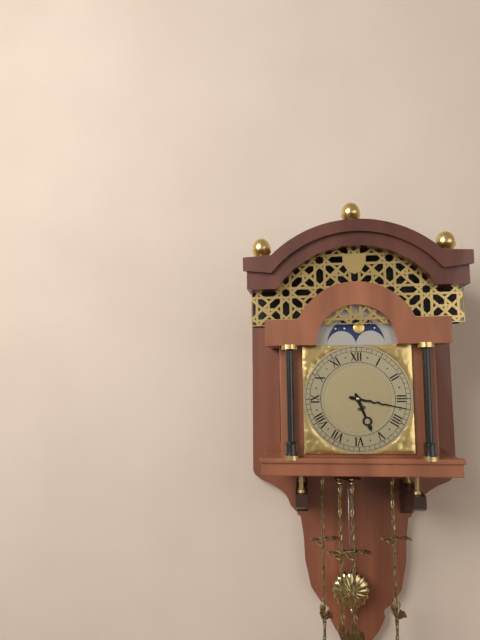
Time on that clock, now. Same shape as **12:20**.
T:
**5:17**
